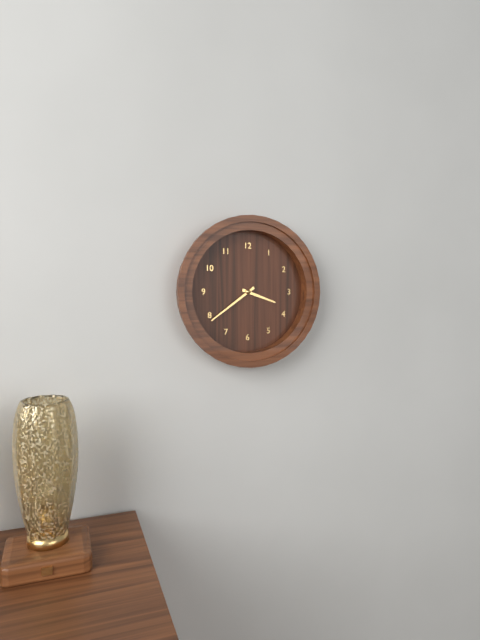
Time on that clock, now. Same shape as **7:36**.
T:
**3:39**
